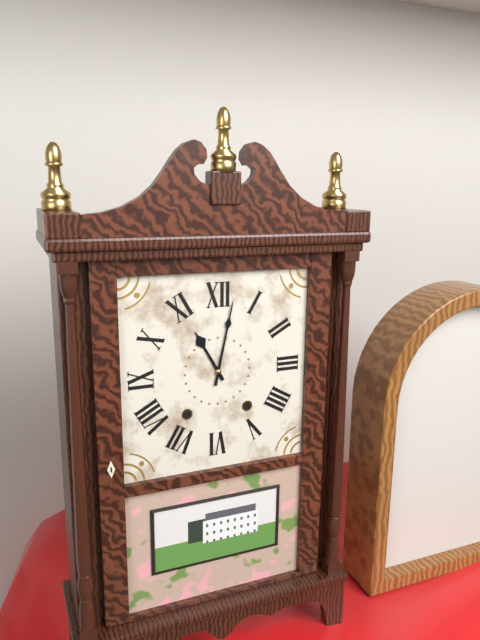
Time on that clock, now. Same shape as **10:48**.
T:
**11:02**
